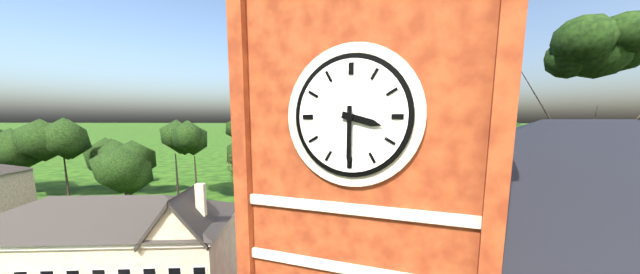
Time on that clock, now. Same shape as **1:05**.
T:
**3:30**
